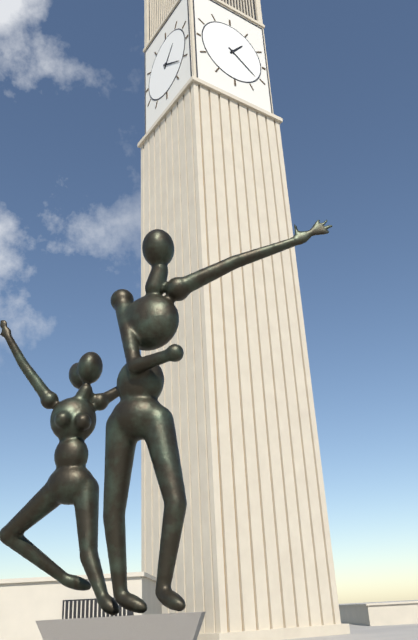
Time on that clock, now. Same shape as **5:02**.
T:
**1:21**
